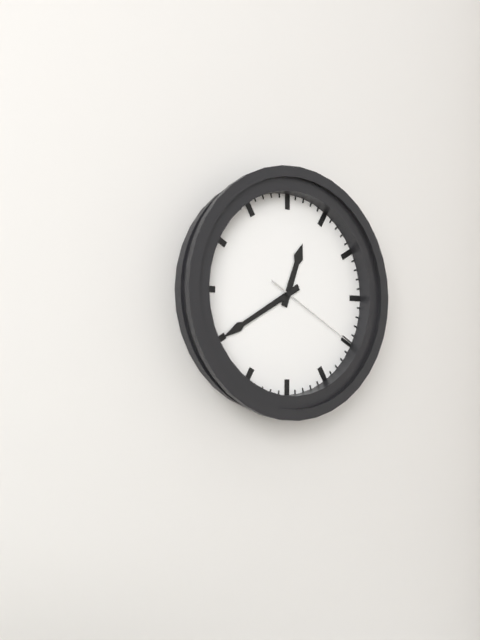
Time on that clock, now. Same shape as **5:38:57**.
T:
**12:40:20**
